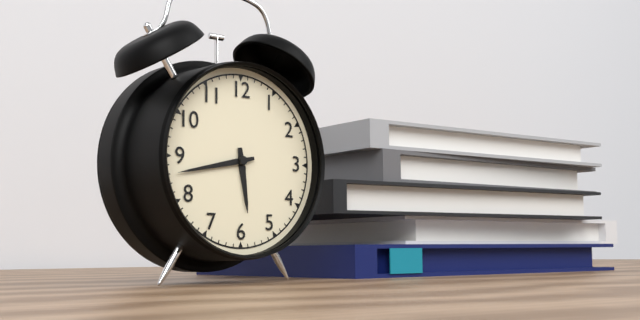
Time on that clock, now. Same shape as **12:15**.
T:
**5:43**
